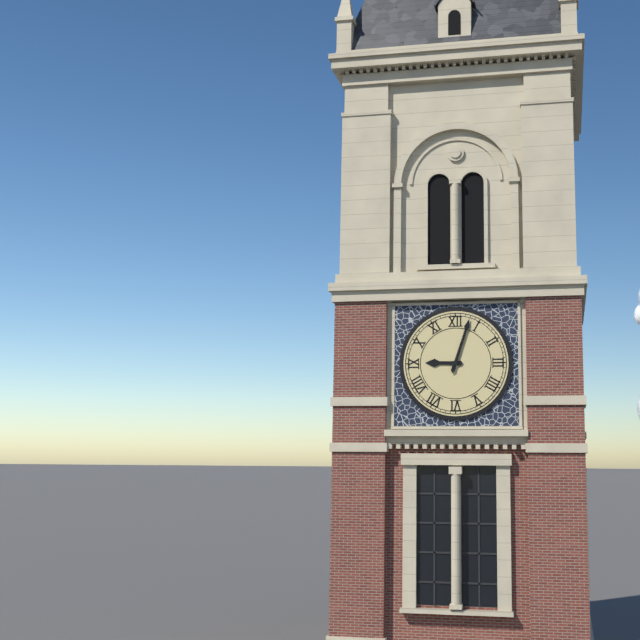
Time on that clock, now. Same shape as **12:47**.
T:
**9:03**
